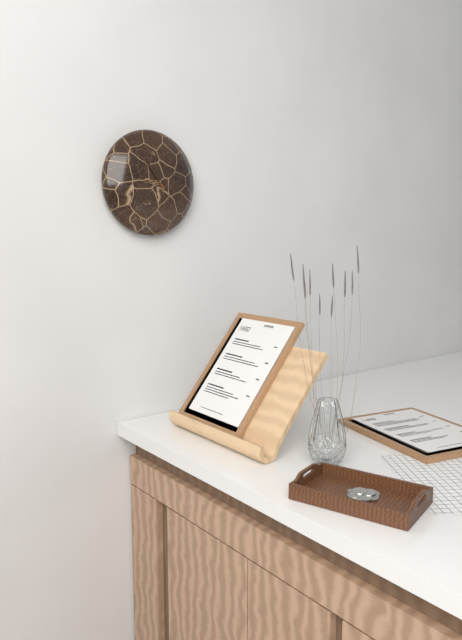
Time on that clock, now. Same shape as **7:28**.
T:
**8:54**
